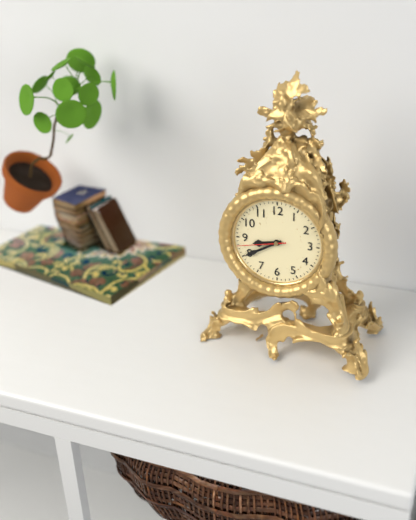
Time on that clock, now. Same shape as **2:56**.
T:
**8:40**
